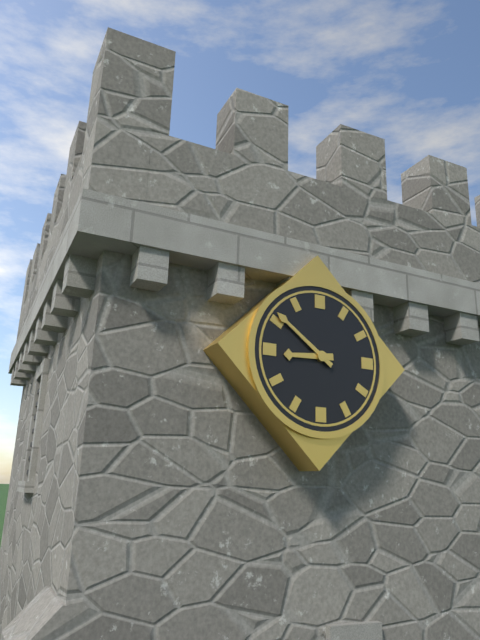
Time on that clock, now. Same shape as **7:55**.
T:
**8:51**
